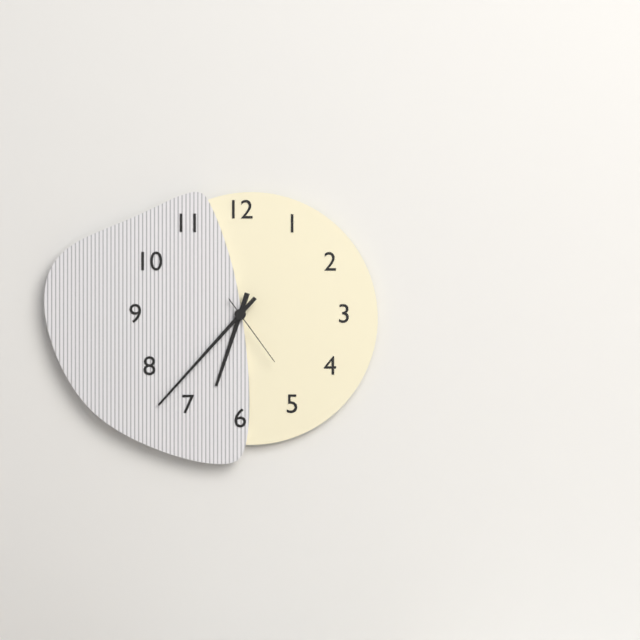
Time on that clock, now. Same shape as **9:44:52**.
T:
**6:37:24**
